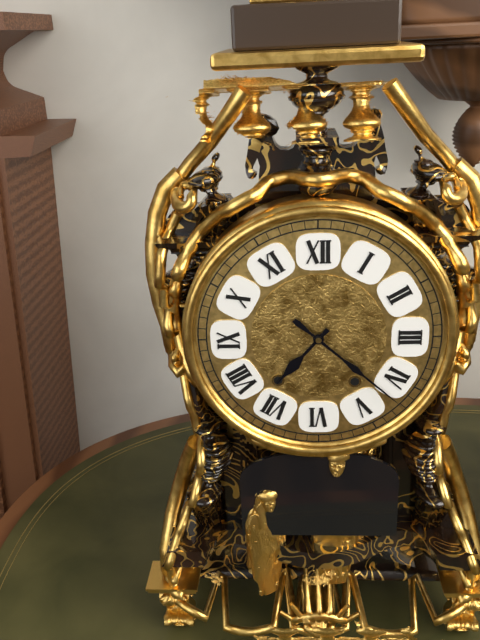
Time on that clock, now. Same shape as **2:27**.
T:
**7:22**
